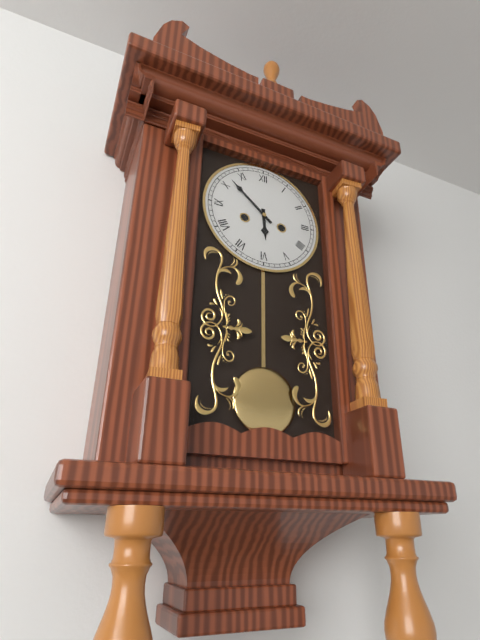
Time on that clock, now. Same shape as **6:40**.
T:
**5:52**
